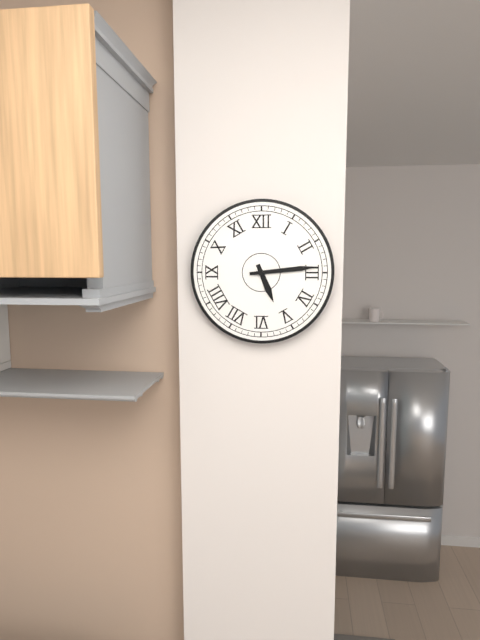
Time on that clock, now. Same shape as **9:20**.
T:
**5:14**
